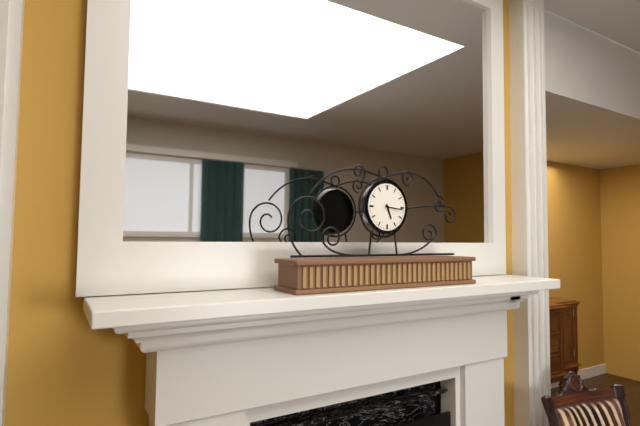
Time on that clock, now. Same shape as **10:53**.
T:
**5:16**
